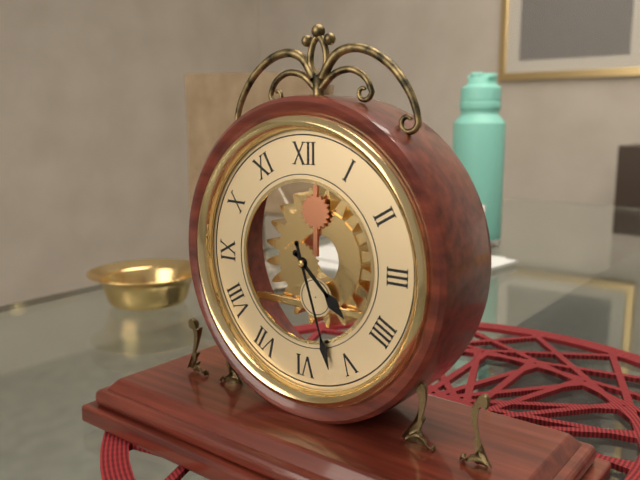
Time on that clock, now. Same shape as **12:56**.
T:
**4:27**
